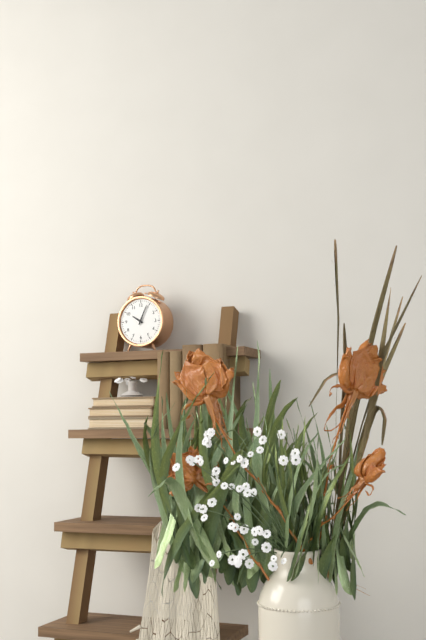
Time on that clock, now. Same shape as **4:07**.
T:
**10:04**
